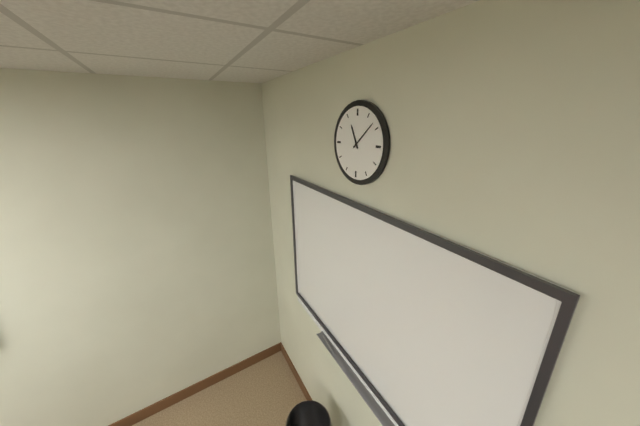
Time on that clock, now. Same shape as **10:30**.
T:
**11:08**
